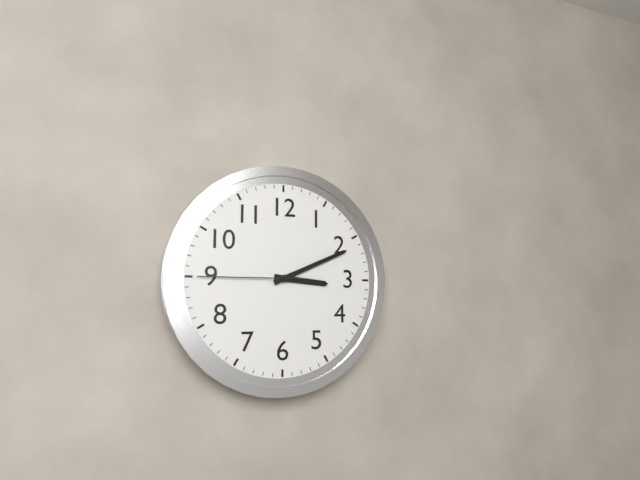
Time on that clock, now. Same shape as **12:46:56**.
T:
**3:11:45**
